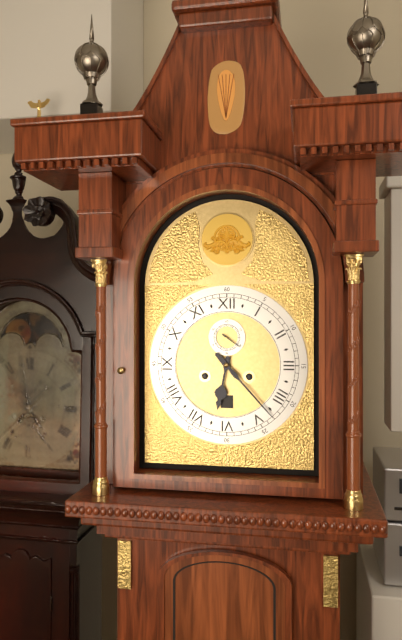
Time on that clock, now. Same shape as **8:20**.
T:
**6:23**
